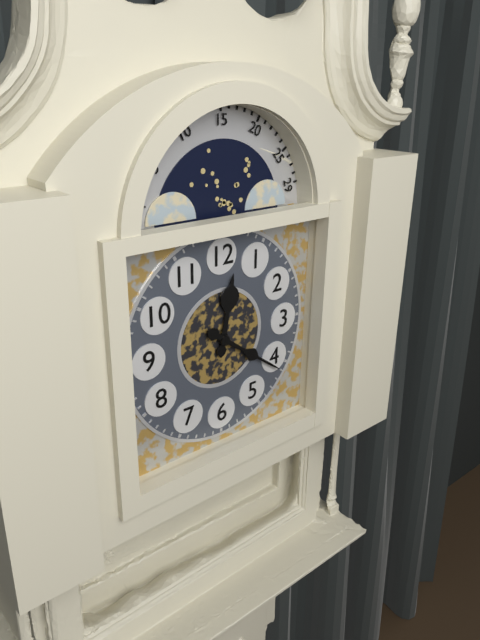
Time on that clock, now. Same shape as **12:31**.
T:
**12:21**
